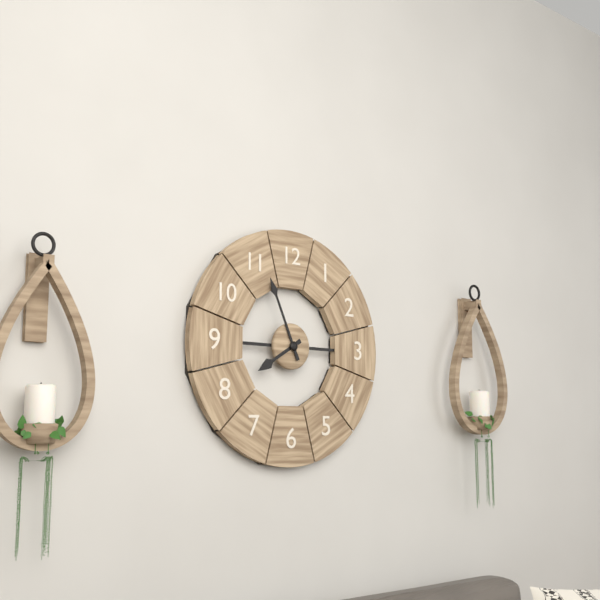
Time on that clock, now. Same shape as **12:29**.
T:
**7:56**
